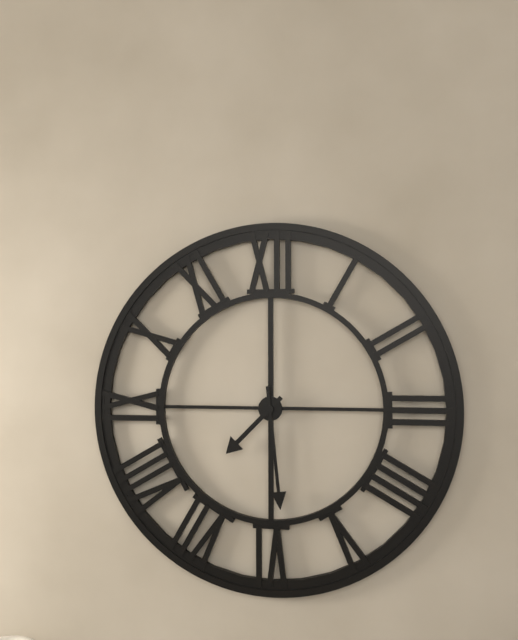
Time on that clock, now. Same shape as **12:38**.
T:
**7:29**
